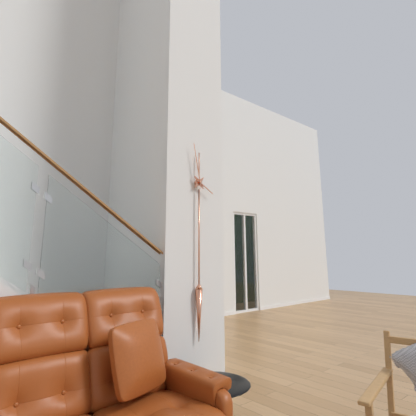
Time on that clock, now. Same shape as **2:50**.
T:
**3:58**
